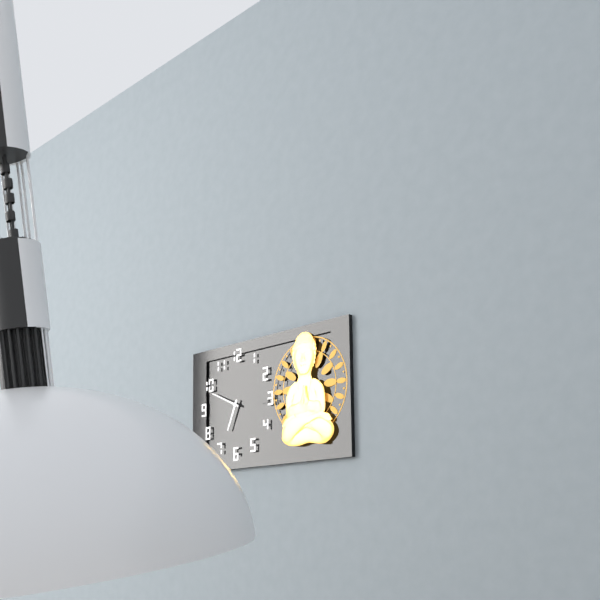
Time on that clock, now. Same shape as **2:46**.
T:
**6:49**
